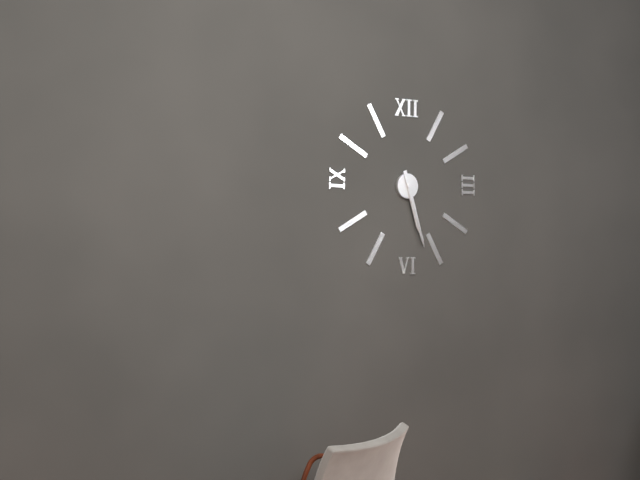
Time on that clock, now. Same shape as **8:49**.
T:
**5:27**
